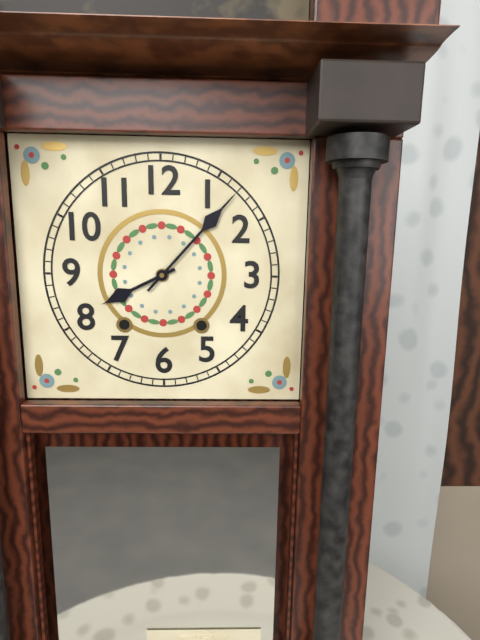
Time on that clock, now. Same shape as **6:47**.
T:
**8:07**
